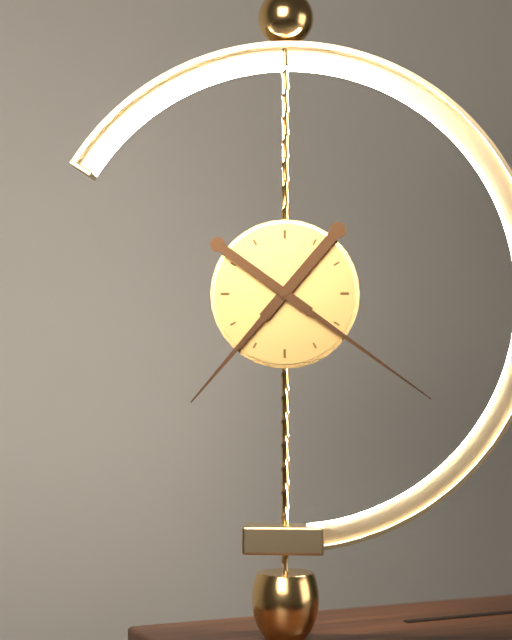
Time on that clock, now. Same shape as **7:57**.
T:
**7:21**
